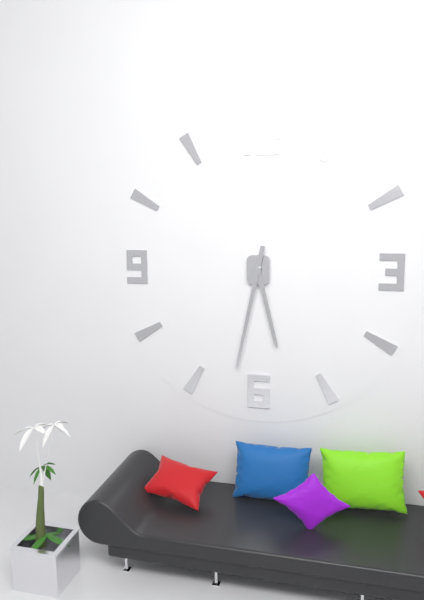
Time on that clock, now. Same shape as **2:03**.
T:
**5:32**
